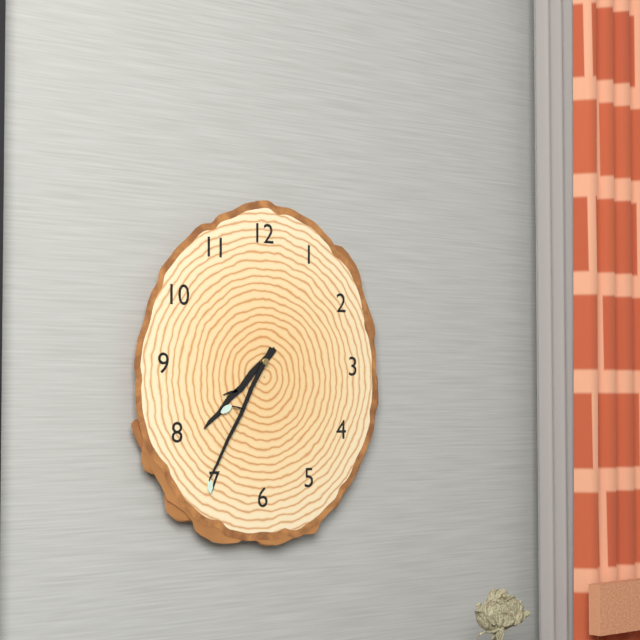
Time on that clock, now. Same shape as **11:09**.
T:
**7:35**
